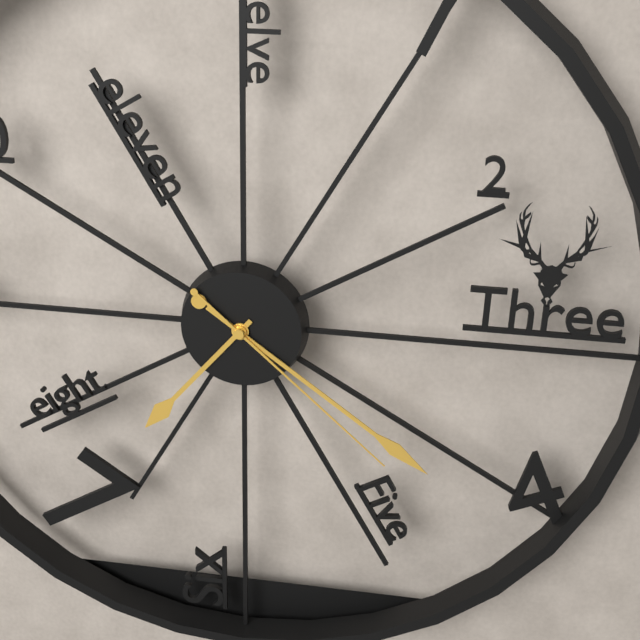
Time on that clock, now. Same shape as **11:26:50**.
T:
**7:21:22**
